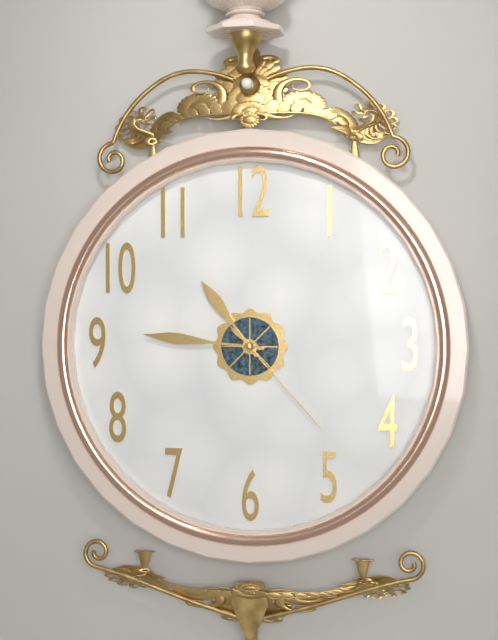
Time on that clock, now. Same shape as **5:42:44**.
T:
**10:46:23**
